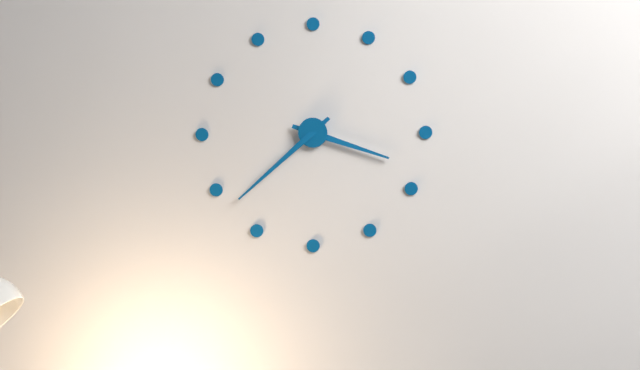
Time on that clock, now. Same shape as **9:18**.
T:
**3:38**
